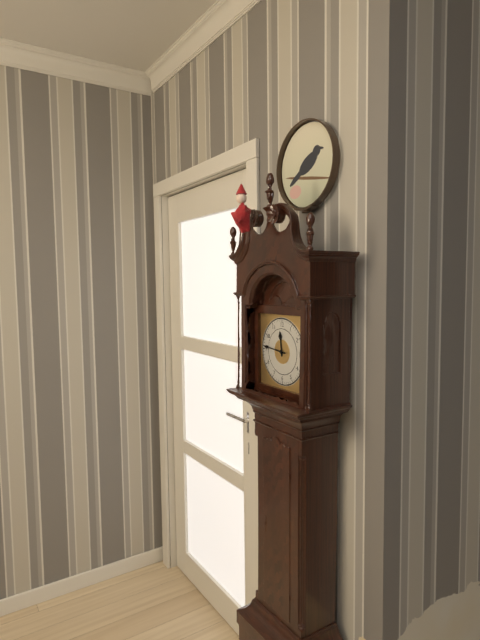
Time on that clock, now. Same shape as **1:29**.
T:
**11:46**
